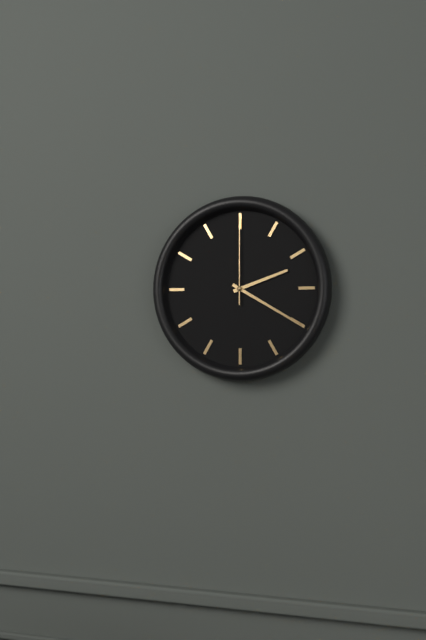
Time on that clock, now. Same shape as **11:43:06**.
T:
**2:20:00**
